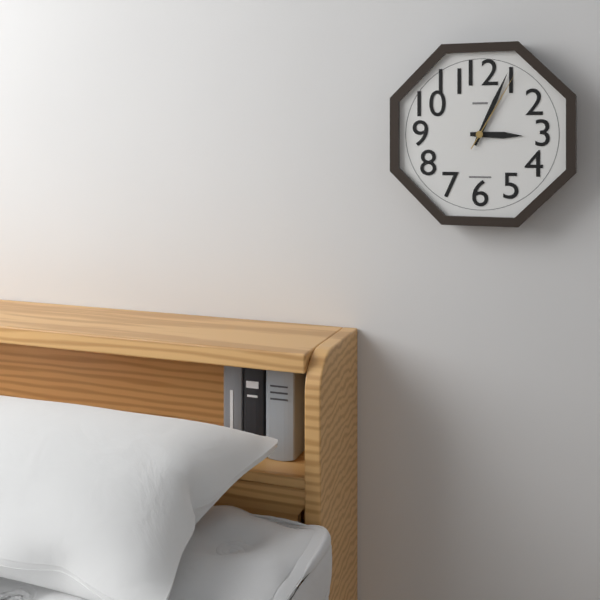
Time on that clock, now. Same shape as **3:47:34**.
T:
**3:04:05**
